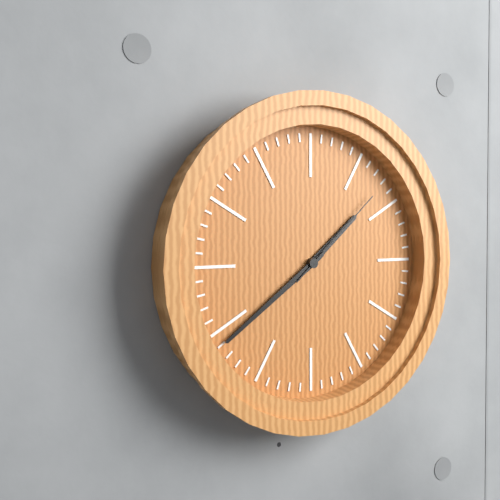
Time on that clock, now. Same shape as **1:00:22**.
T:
**1:39:08**
